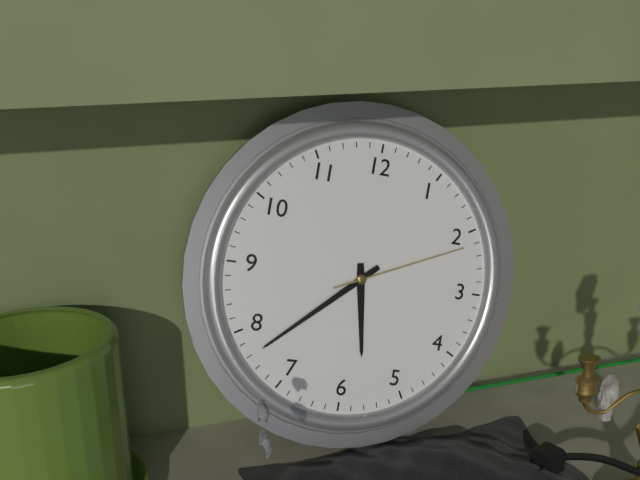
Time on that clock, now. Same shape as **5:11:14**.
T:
**5:38:11**
